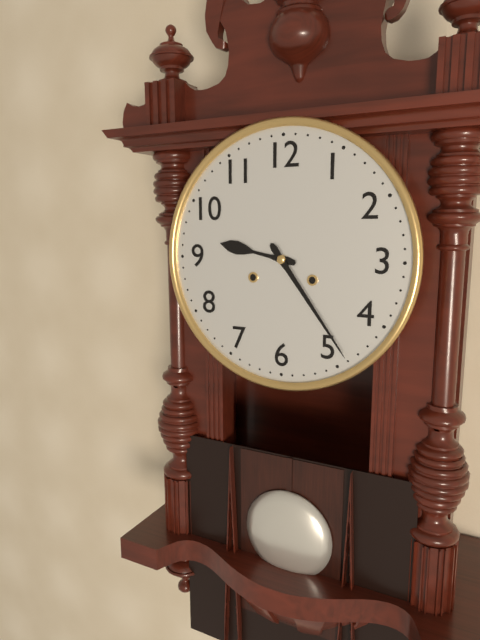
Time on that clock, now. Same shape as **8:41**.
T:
**9:24**
